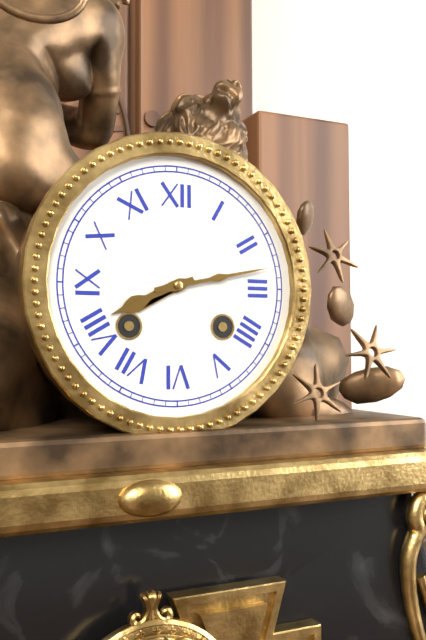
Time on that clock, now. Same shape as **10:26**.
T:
**8:13**
